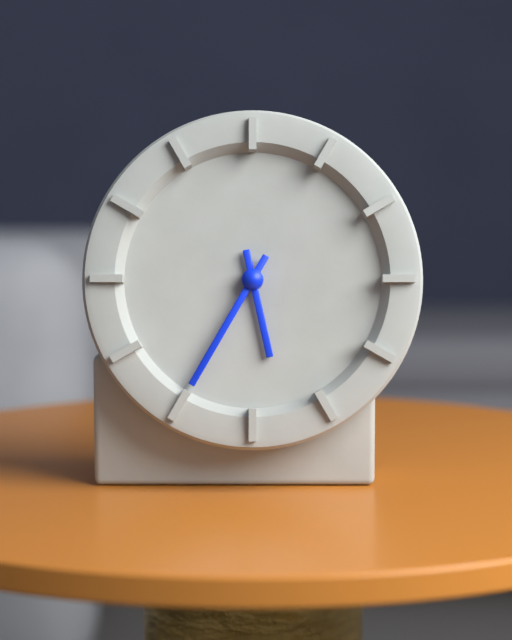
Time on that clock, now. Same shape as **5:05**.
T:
**5:35**
